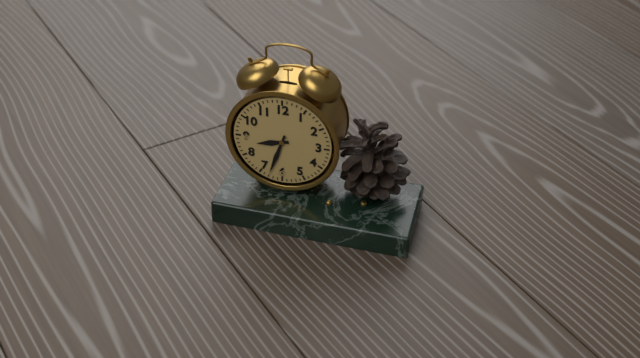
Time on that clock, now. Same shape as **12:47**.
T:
**8:33**
